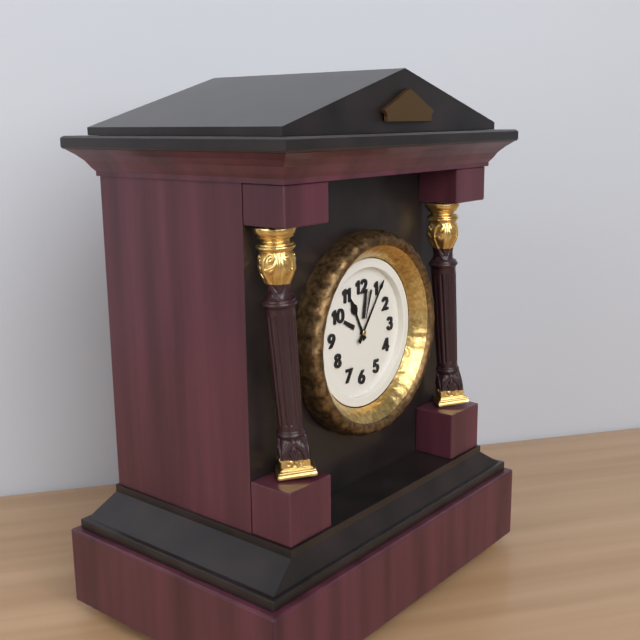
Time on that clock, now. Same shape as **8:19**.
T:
**11:06**
